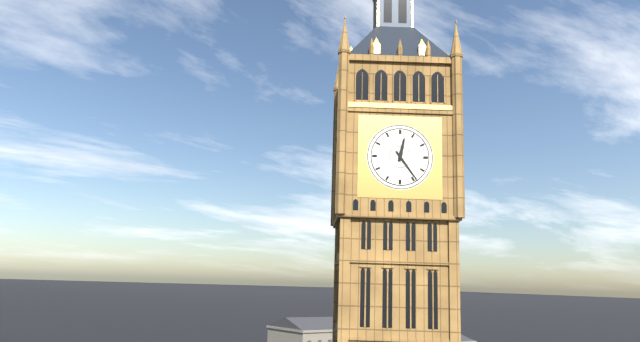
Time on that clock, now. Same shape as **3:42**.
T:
**12:24**
